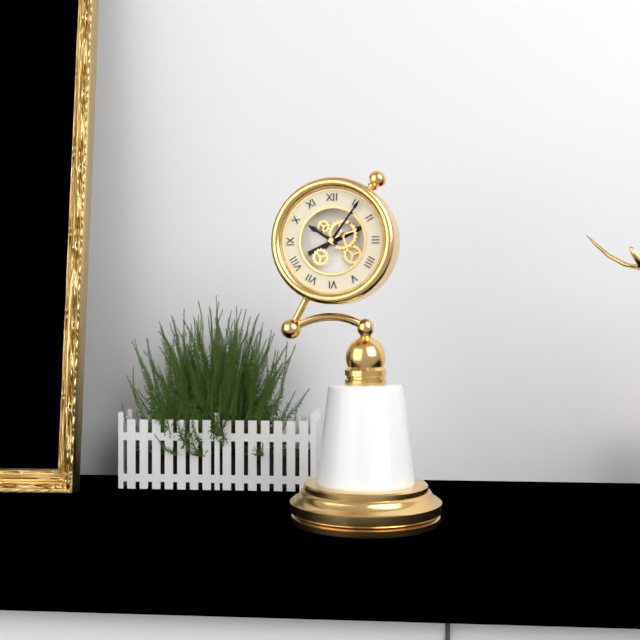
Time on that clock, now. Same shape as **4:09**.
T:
**10:06**
